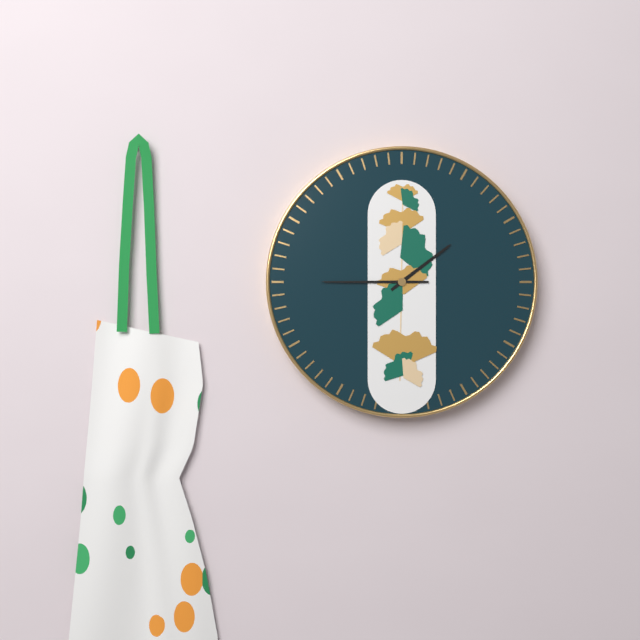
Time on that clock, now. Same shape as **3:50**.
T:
**1:45**
